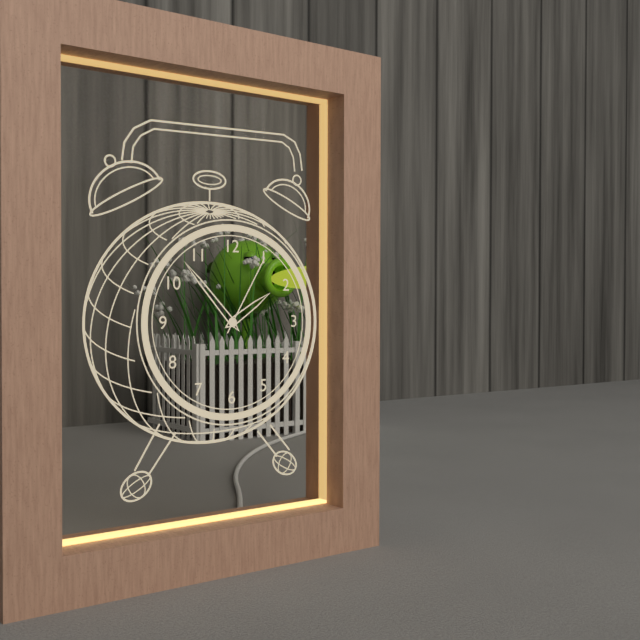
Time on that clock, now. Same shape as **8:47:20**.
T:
**1:53:05**
